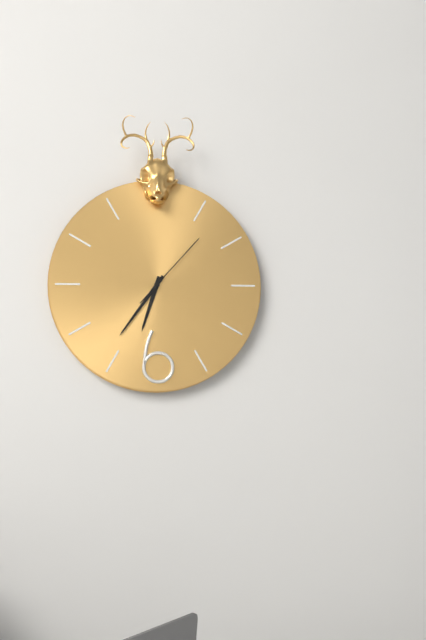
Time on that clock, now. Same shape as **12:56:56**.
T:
**6:36:07**
